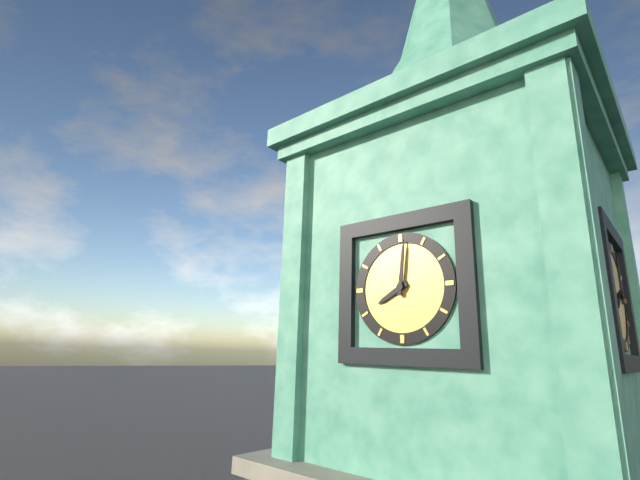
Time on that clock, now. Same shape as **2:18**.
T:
**8:01**
